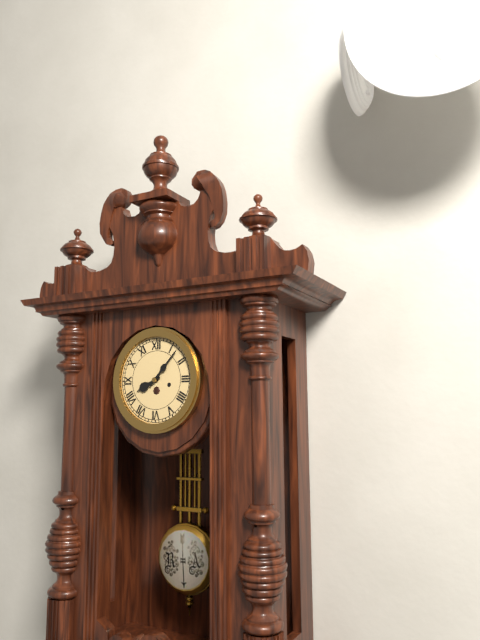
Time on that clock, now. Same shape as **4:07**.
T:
**8:07**
